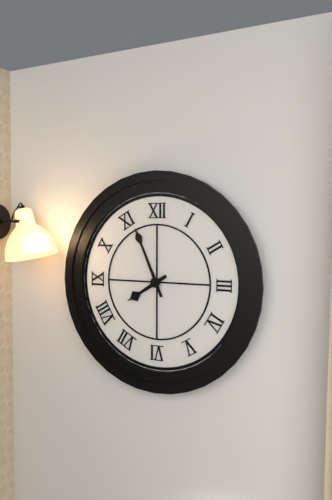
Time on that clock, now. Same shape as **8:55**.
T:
**7:56**
